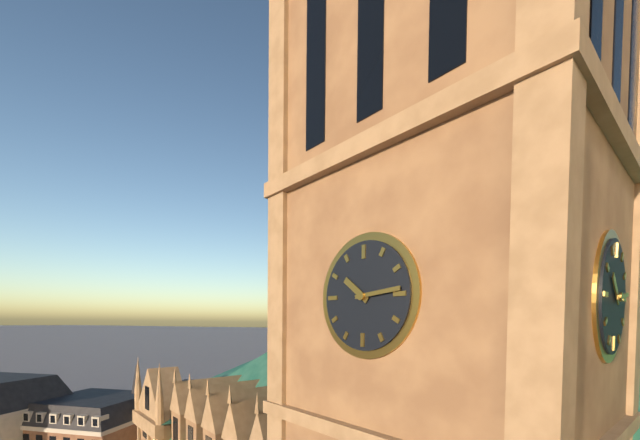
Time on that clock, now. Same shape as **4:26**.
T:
**10:14**
